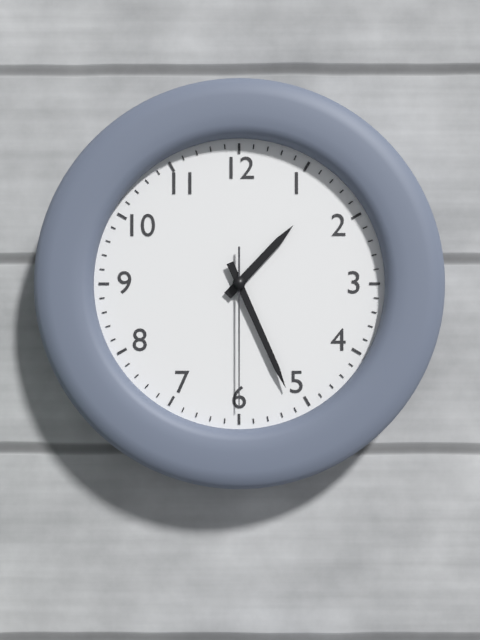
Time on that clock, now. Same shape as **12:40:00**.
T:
**1:26:30**
